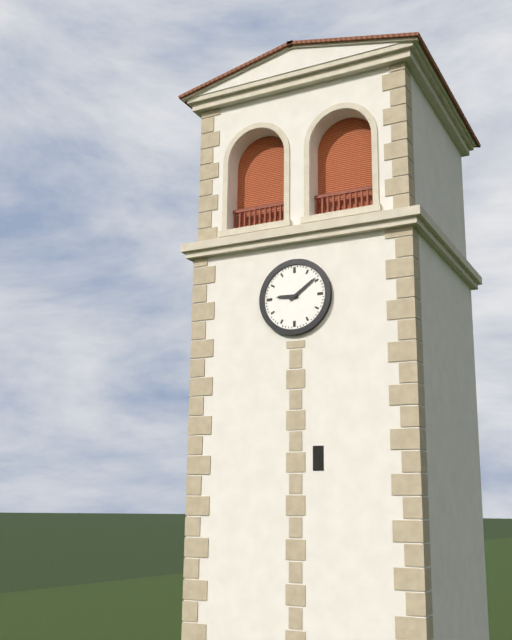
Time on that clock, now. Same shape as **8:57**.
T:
**9:09**
